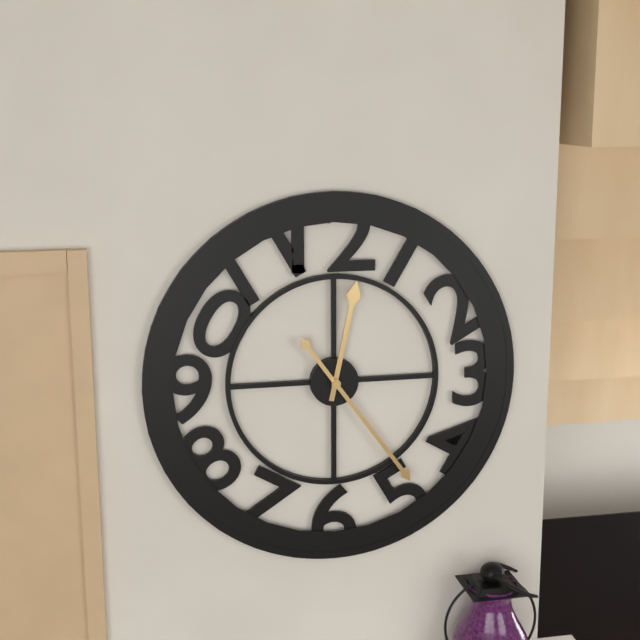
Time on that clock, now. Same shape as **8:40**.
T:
**12:24**
